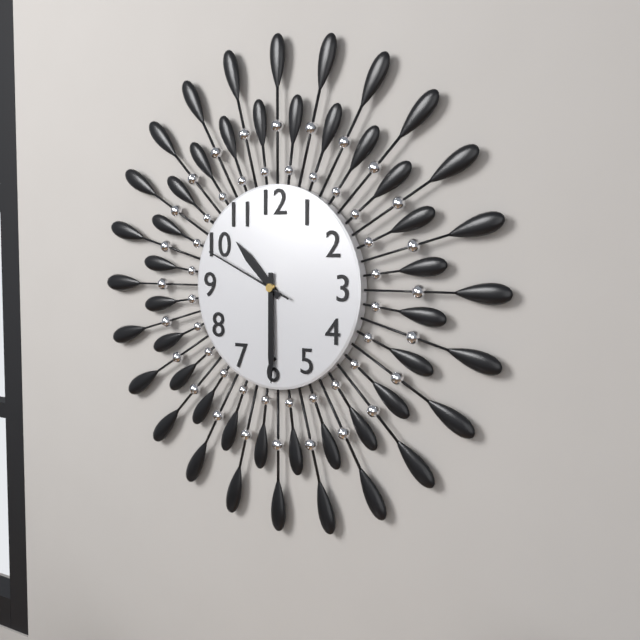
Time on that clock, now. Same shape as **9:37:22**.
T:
**10:30:49**
